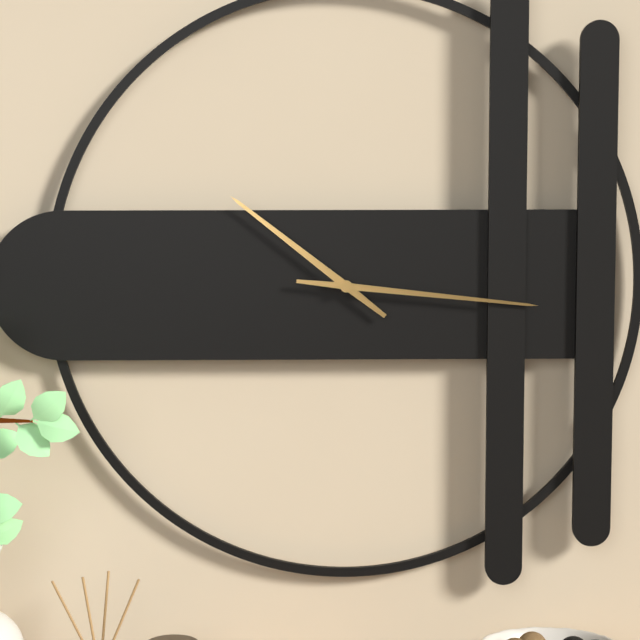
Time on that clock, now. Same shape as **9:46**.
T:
**10:16**
